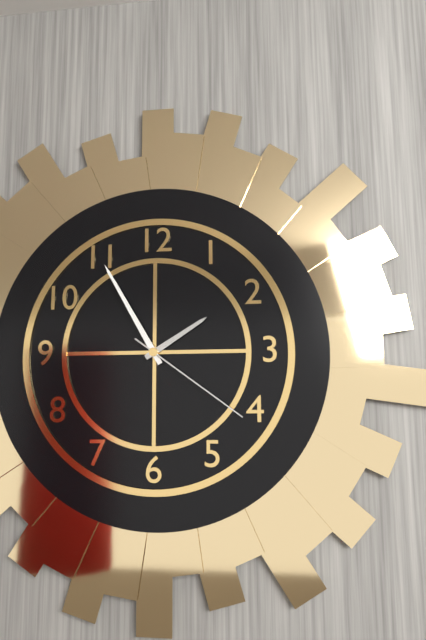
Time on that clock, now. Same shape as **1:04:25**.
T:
**1:55:21**
